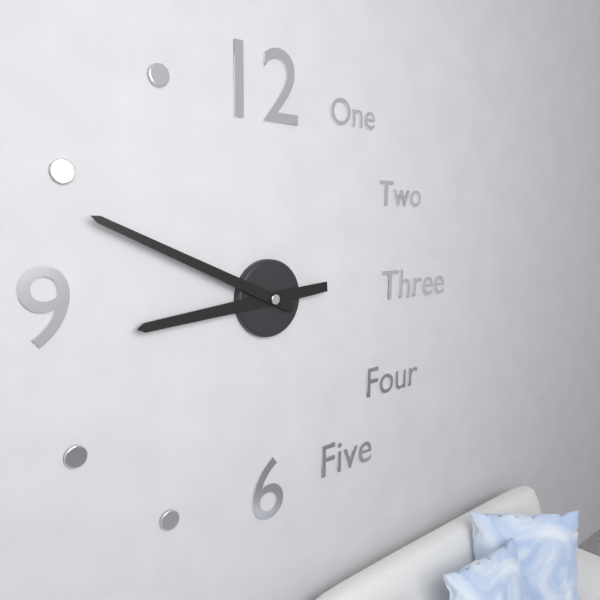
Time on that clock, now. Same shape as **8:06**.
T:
**8:49**
